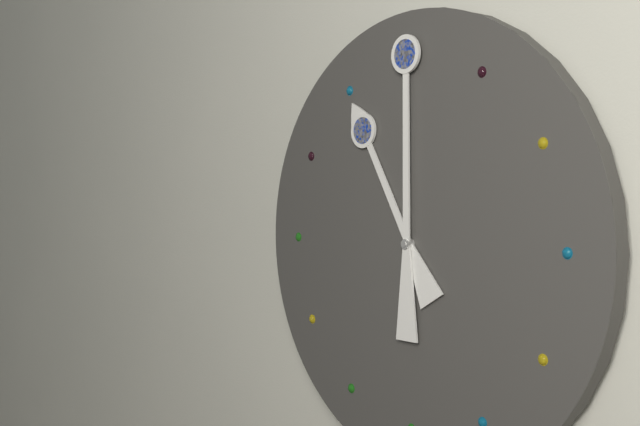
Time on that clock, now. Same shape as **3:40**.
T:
**11:00**
